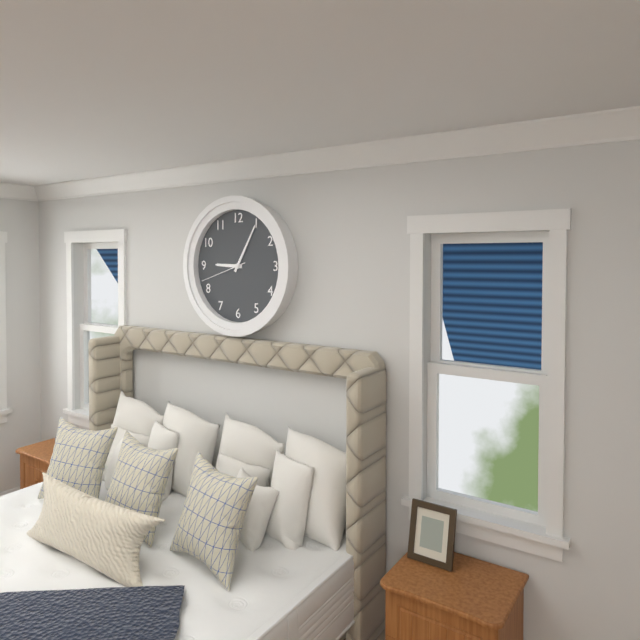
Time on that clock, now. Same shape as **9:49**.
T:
**9:05**
